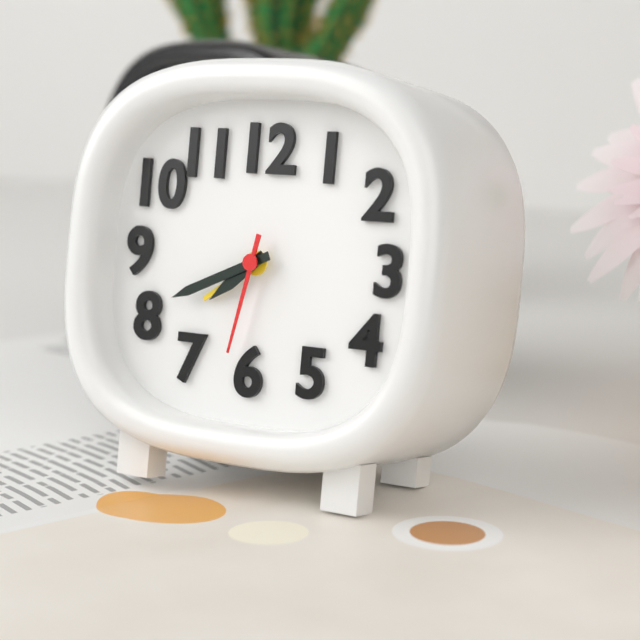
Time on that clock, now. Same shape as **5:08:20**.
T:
**7:41:32**
